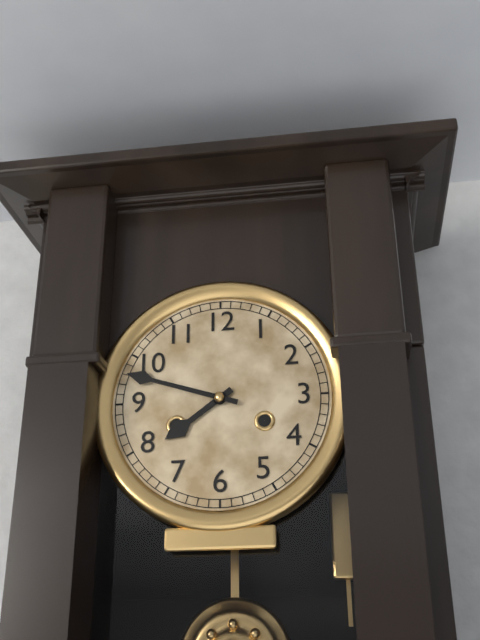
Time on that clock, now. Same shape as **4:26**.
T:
**7:48**
